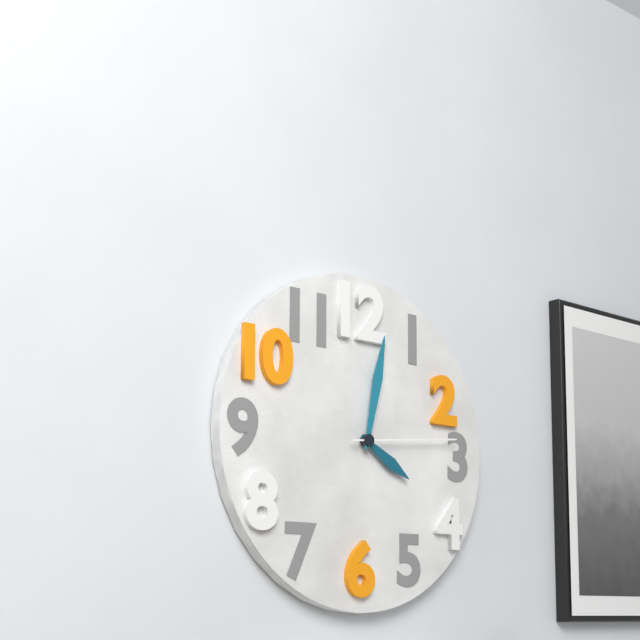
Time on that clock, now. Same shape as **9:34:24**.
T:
**4:02:14**
